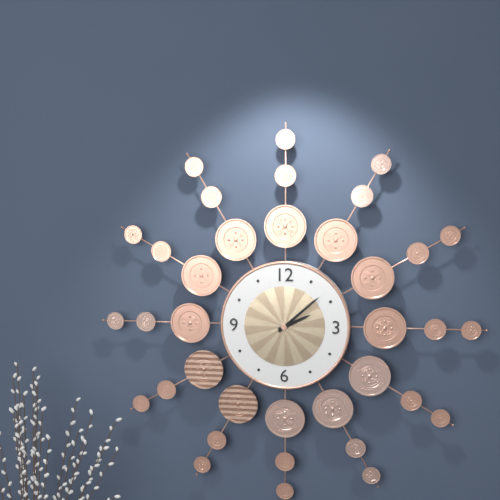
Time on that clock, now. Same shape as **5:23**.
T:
**2:08**
